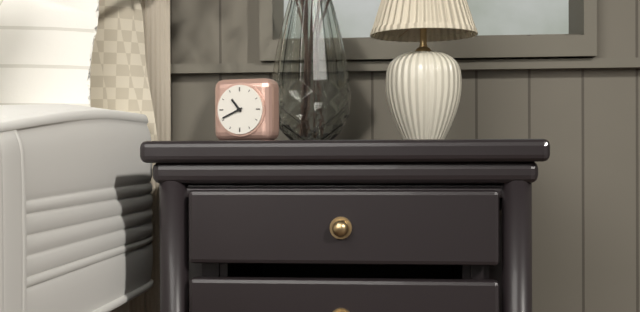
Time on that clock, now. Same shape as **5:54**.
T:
**10:41**
